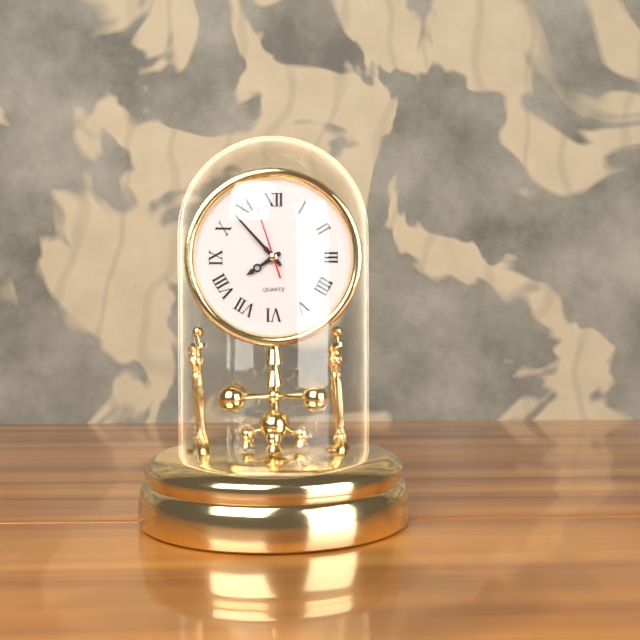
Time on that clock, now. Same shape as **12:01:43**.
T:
**7:53:57**
